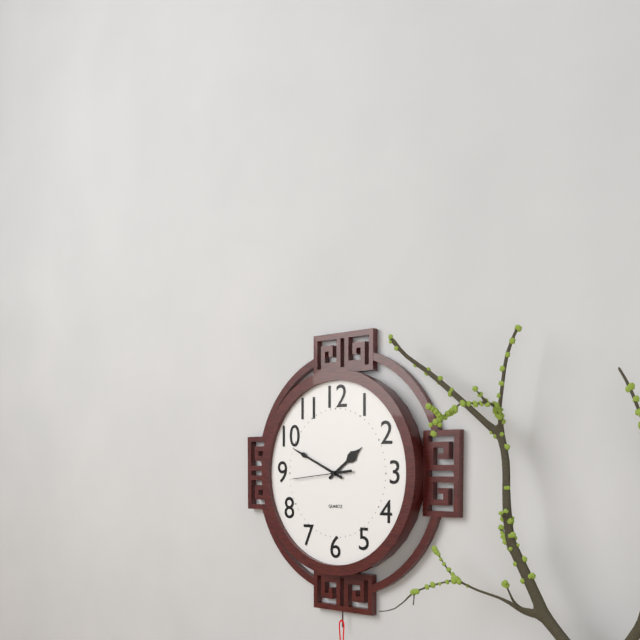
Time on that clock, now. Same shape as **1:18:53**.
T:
**1:49:44**
